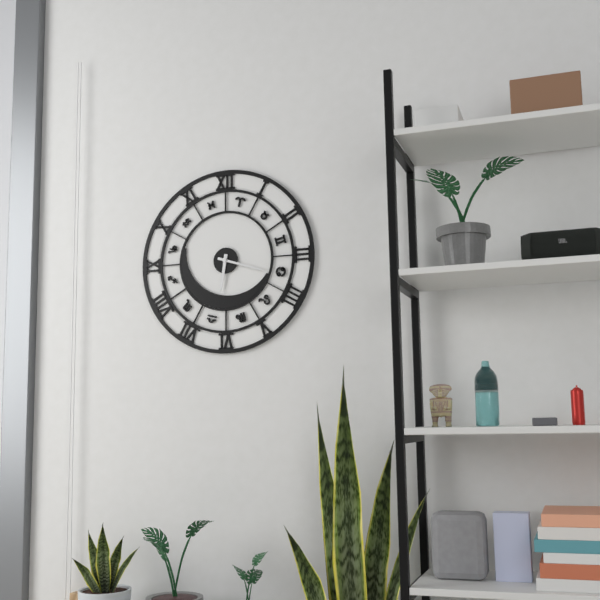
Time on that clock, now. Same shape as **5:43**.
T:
**6:18**
